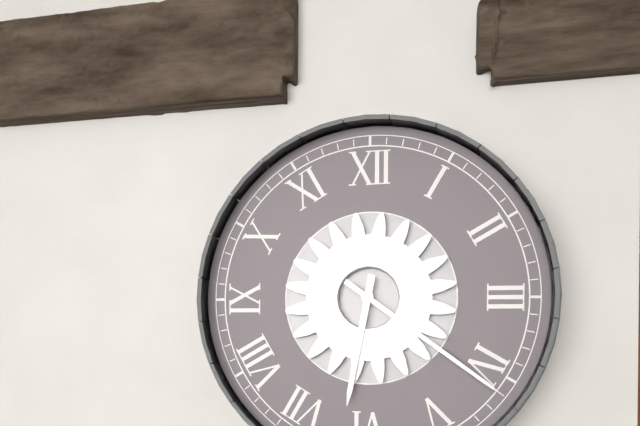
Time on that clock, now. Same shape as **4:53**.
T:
**6:21**
